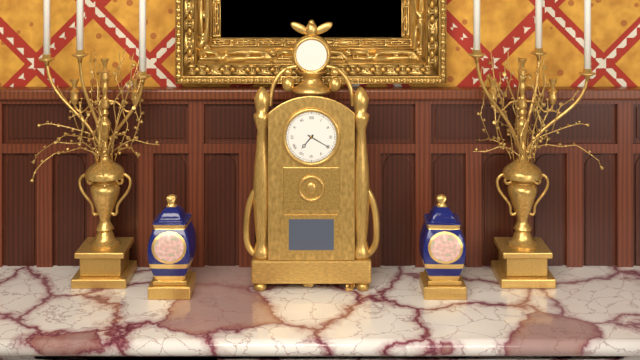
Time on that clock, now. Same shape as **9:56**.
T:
**7:20**
